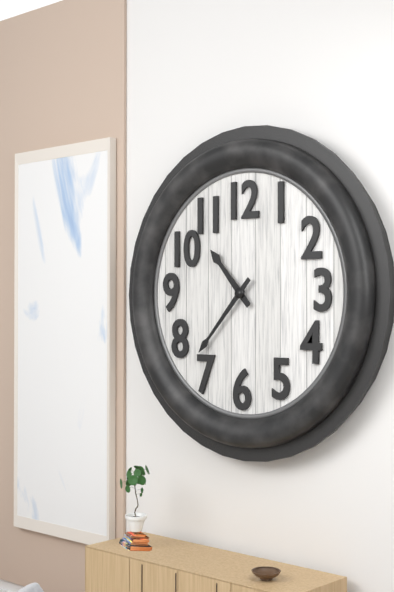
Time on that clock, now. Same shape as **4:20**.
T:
**10:37**
